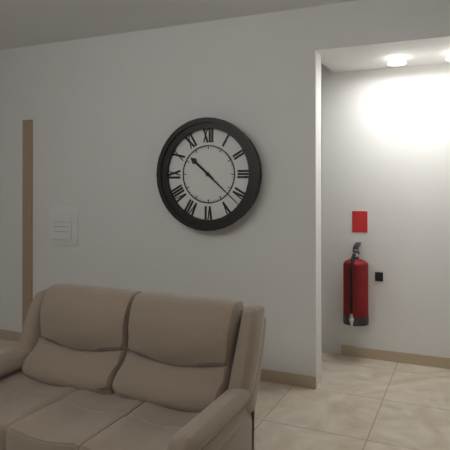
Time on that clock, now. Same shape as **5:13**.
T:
**10:22**
